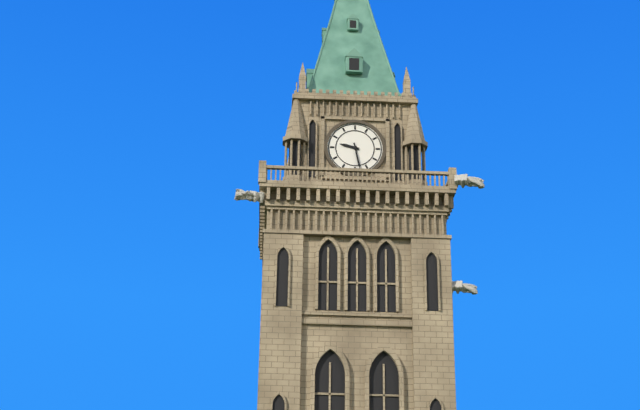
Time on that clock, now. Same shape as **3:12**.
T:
**9:28**
